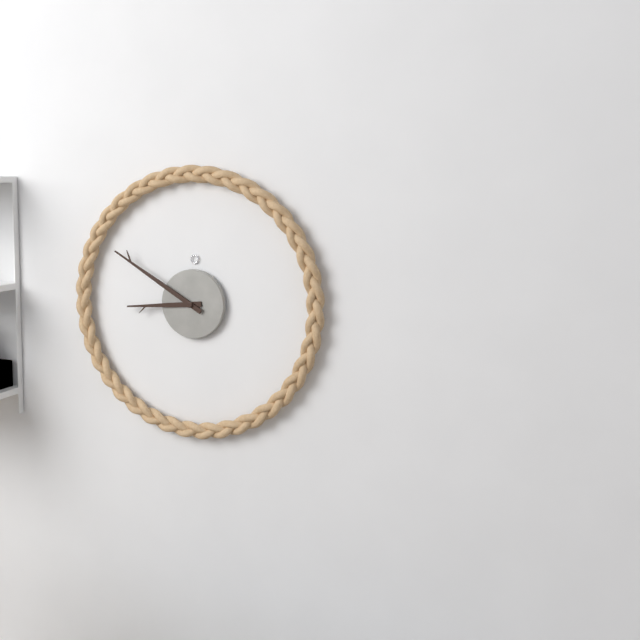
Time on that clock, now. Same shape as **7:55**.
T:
**8:50**
